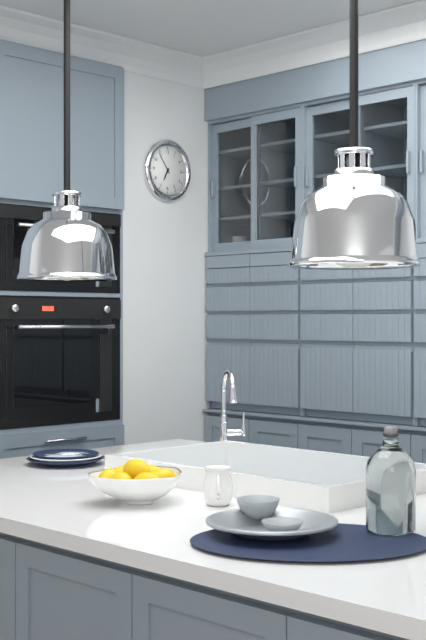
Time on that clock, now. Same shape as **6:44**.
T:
**6:54**
